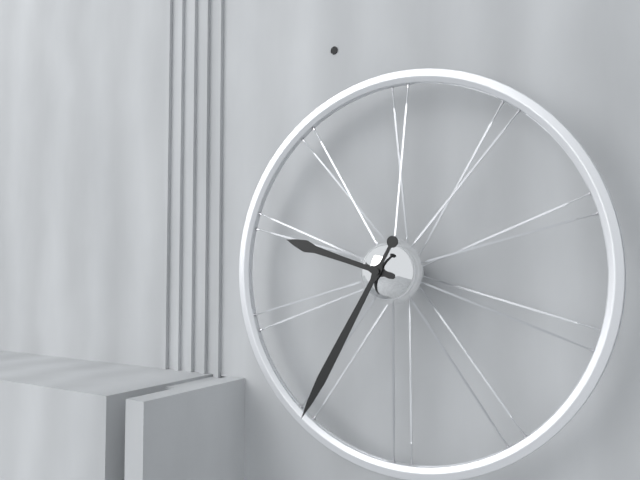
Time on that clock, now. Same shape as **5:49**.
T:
**9:35**
